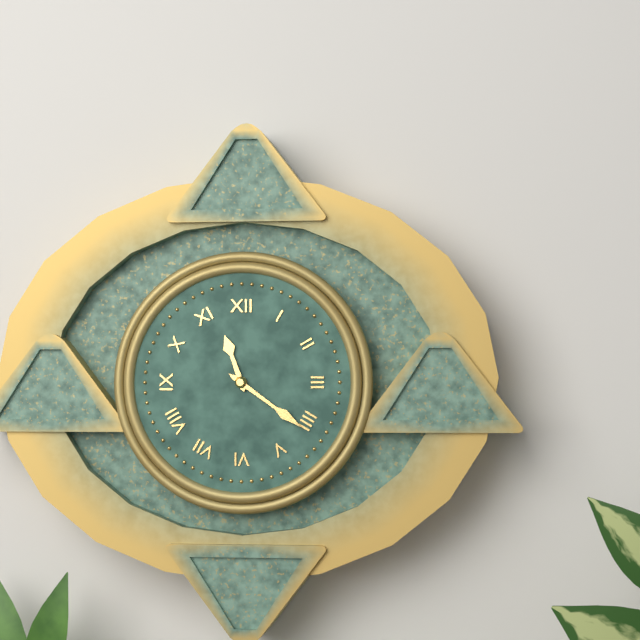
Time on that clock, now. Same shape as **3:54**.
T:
**11:21**
